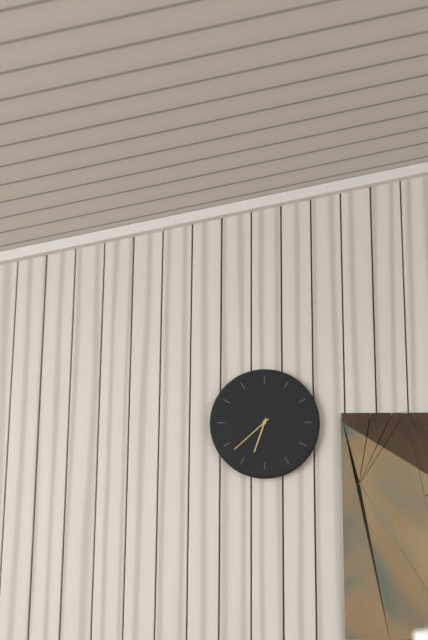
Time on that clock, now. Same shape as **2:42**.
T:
**6:38**
